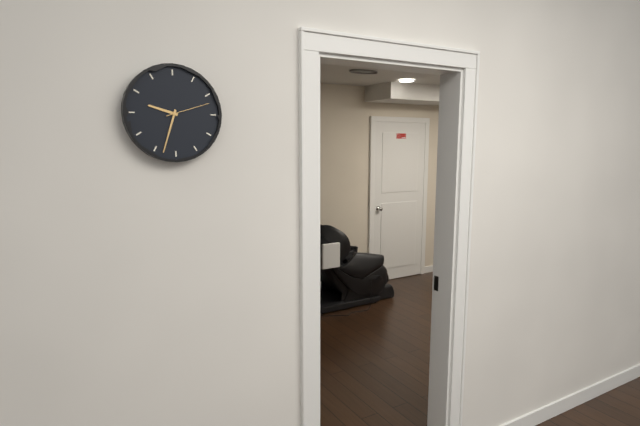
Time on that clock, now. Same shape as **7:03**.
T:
**9:33**
